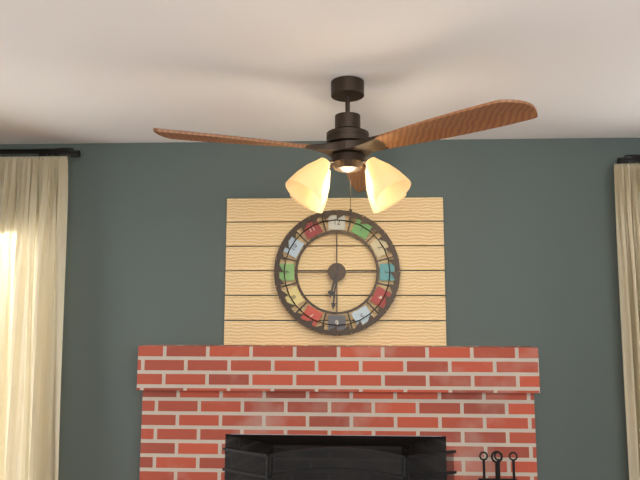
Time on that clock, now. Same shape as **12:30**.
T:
**6:31**
